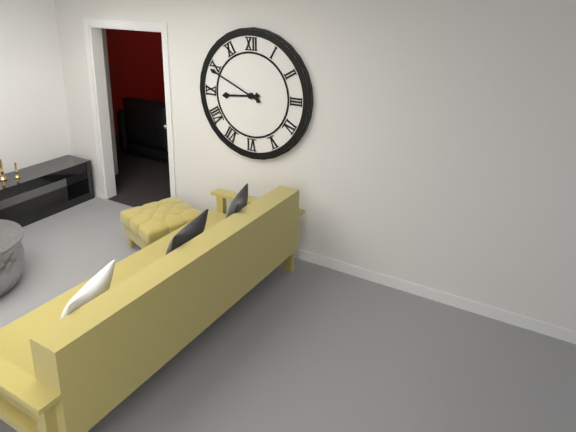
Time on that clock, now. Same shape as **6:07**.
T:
**8:49**
